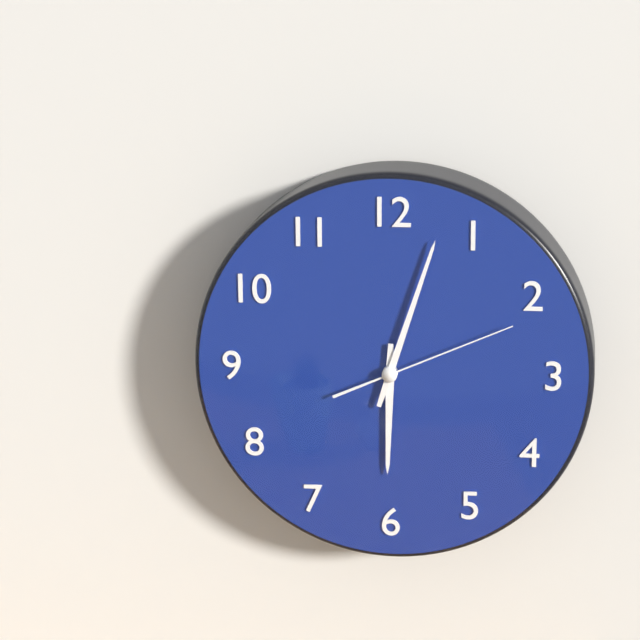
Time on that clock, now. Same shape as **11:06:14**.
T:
**6:03:11**
